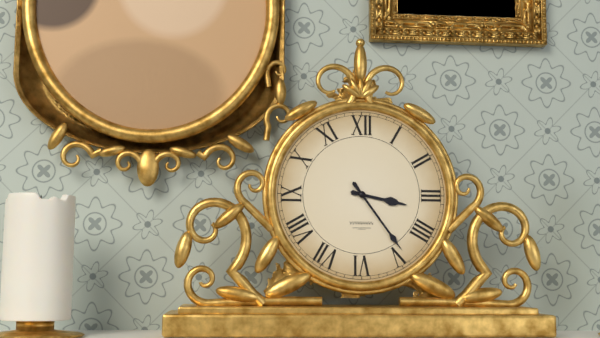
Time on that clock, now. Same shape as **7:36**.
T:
**3:24**
